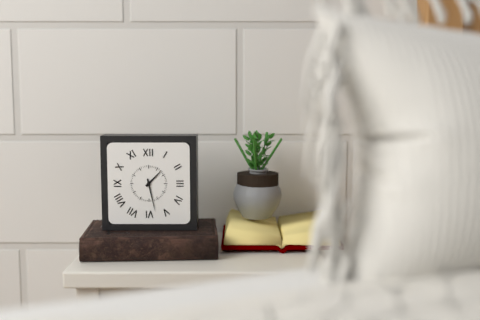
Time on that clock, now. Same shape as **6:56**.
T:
**1:28**
